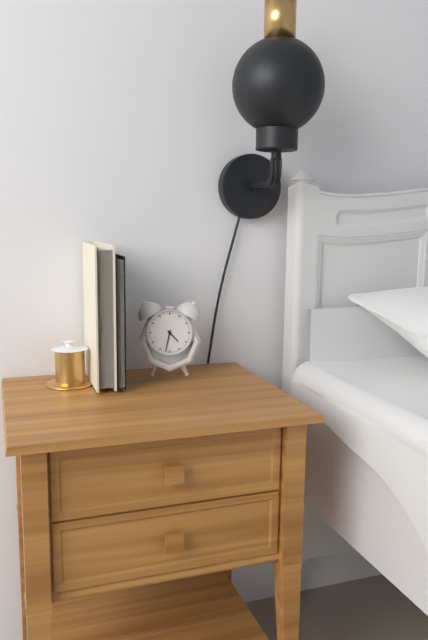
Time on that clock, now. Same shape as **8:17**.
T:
**4:32**
